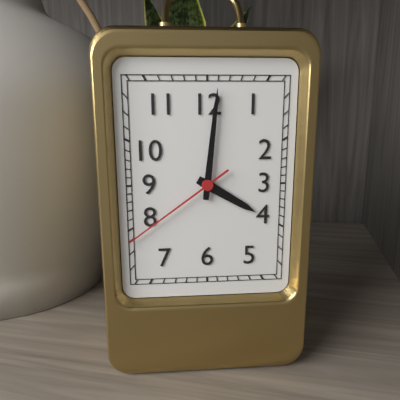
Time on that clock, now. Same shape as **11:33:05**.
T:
**4:01:39**
